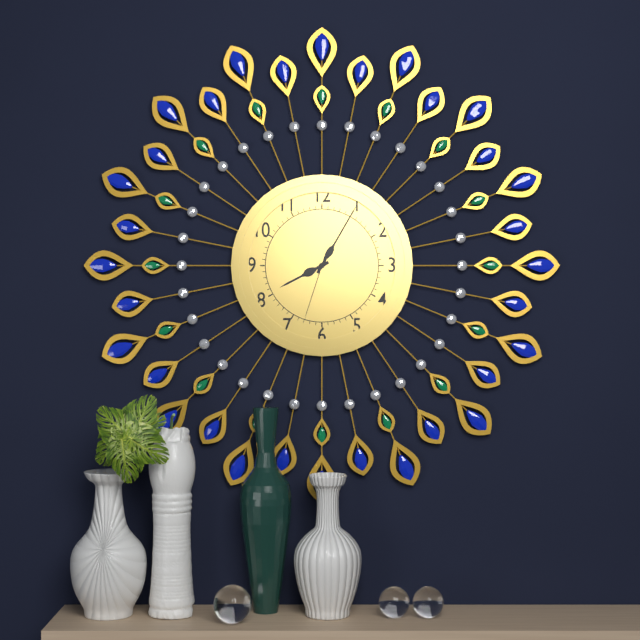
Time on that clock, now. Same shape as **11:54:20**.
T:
**8:05:33**
